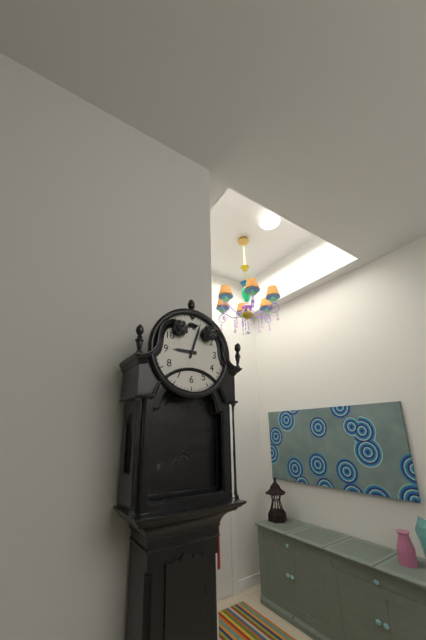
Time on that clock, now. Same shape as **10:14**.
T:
**9:03**
